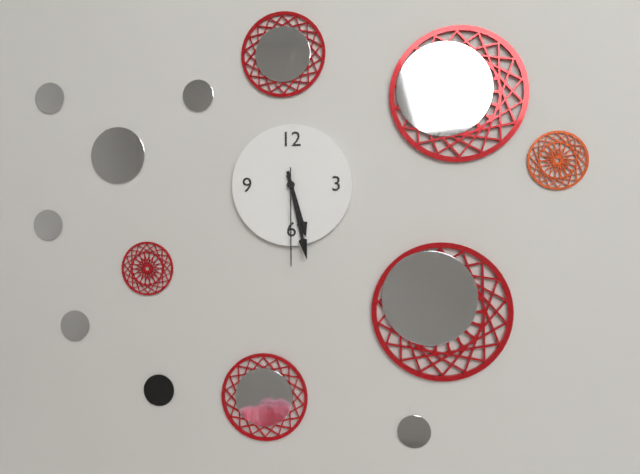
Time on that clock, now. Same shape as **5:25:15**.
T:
**5:28:30**
